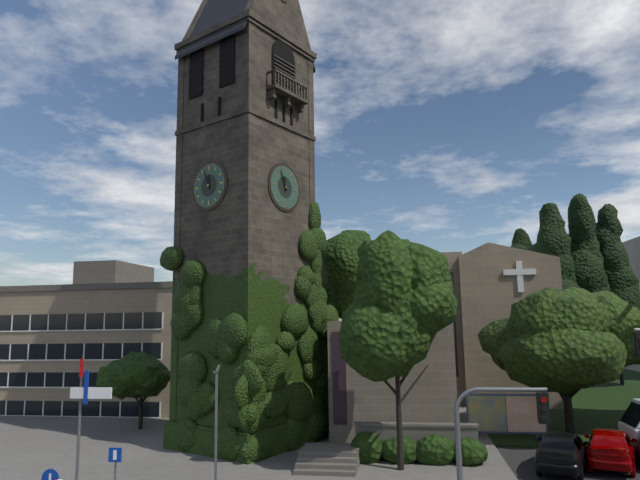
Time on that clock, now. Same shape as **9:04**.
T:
**11:56**
